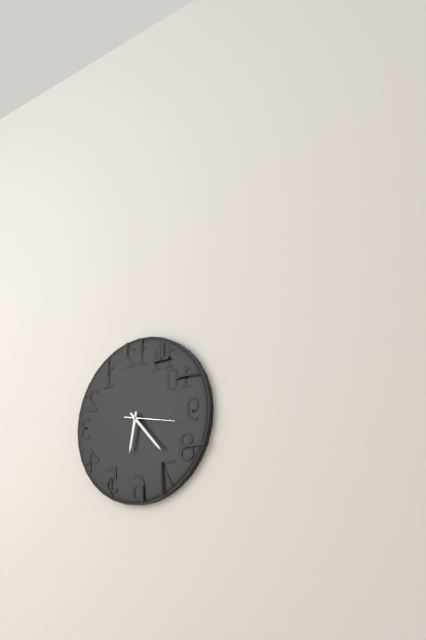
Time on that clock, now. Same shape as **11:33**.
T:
**6:23**
